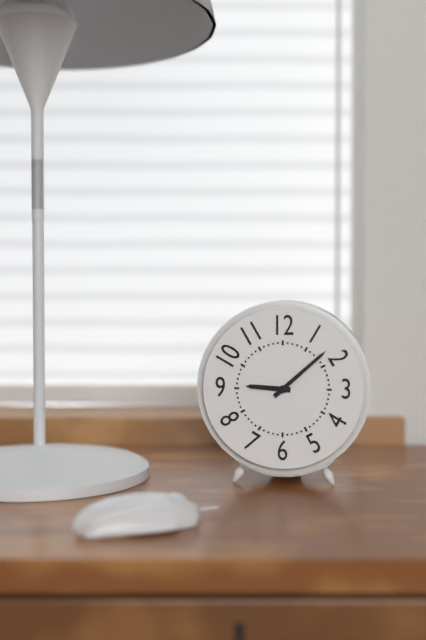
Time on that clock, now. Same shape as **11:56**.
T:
**9:08**
